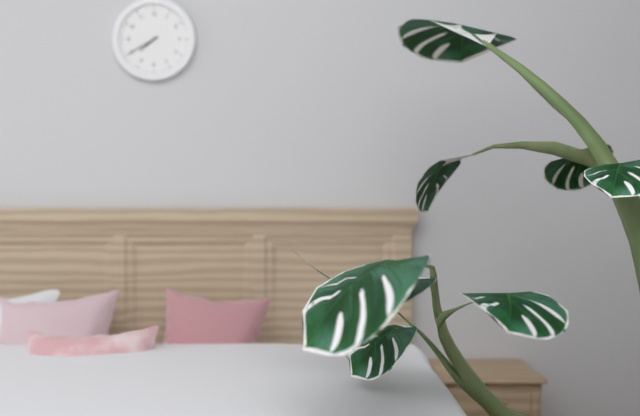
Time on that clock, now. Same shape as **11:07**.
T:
**7:40**
